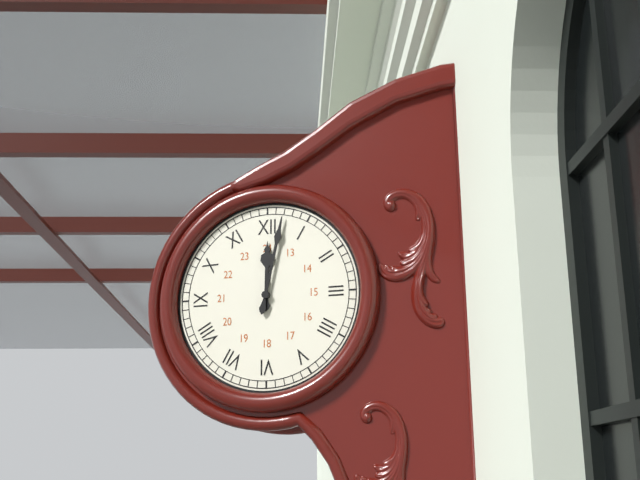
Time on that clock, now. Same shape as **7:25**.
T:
**12:02**
